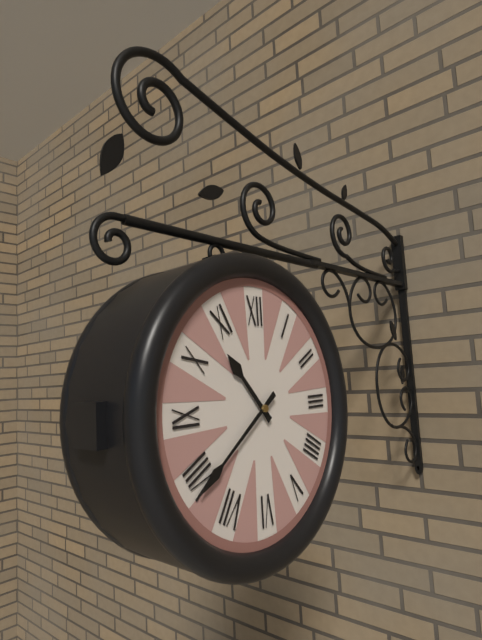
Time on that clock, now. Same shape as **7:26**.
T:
**10:39**
